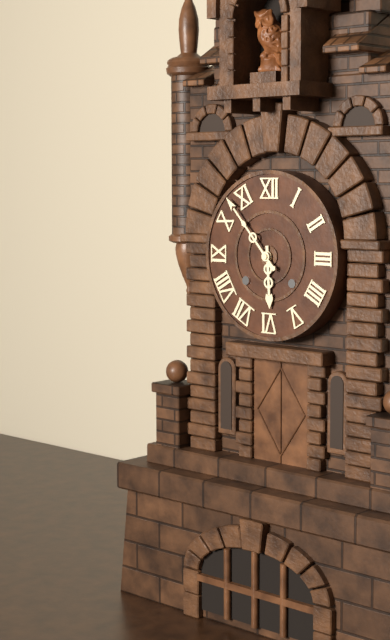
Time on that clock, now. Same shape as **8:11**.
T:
**5:53**
